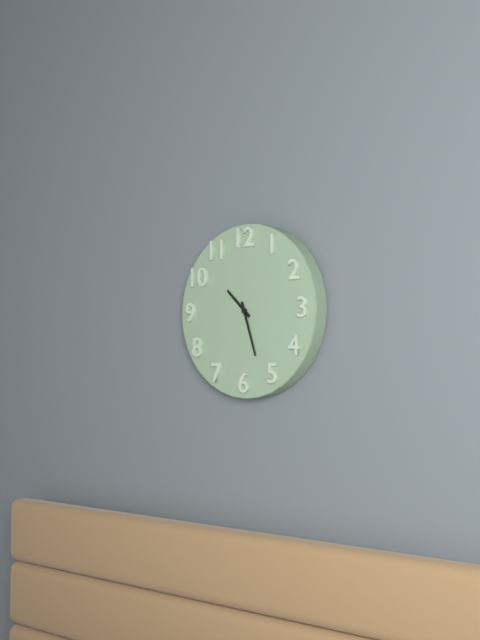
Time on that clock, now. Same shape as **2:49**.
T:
**10:27**
